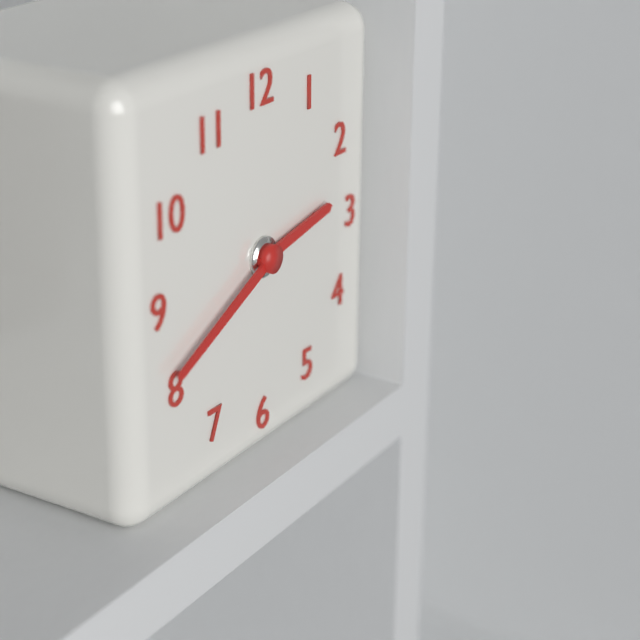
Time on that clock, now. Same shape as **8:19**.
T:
**2:41**
